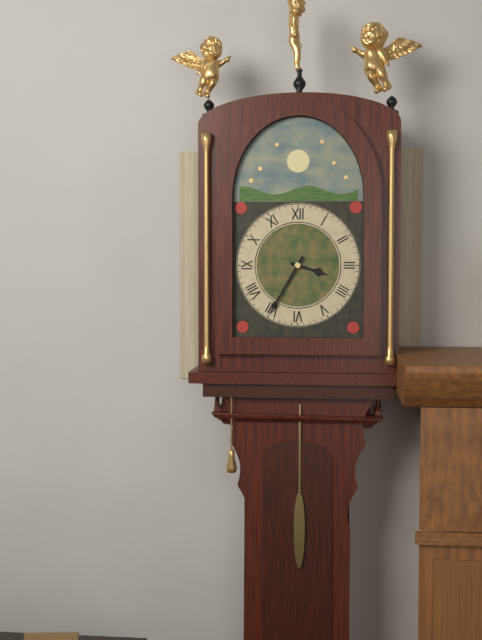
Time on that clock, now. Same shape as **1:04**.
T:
**3:35**
